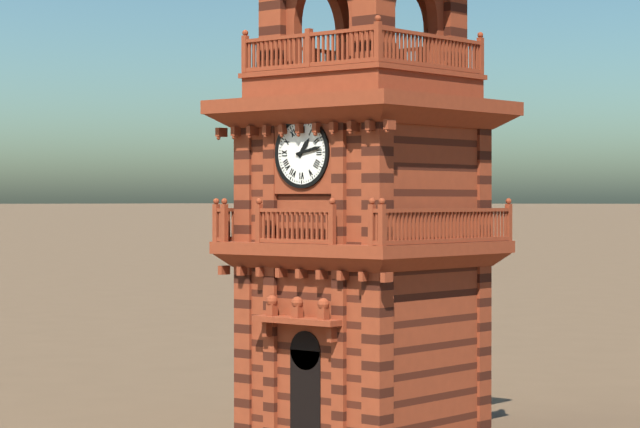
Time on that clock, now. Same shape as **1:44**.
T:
**1:13**
